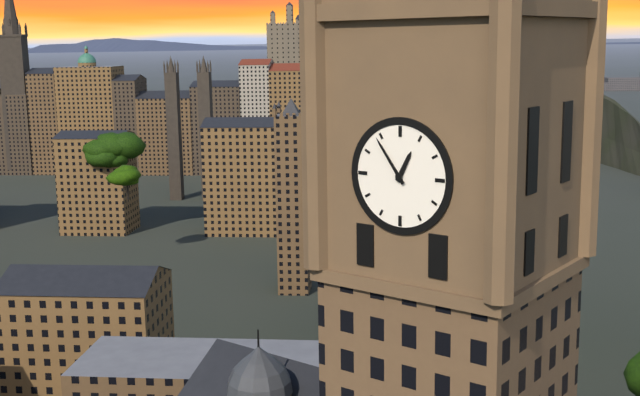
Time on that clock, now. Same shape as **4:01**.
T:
**12:54**
